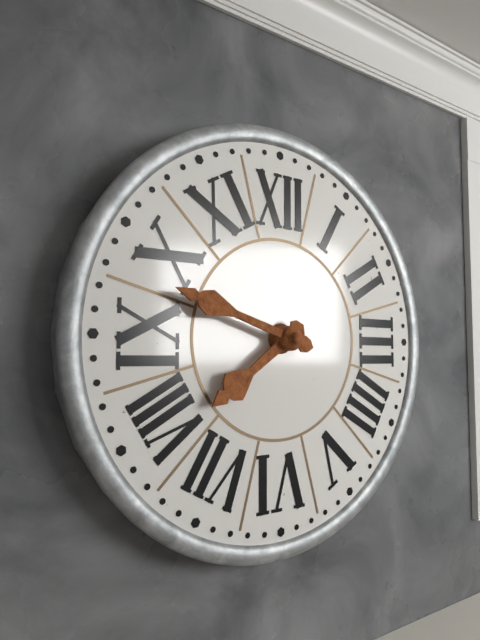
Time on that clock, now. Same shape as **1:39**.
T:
**7:48**
